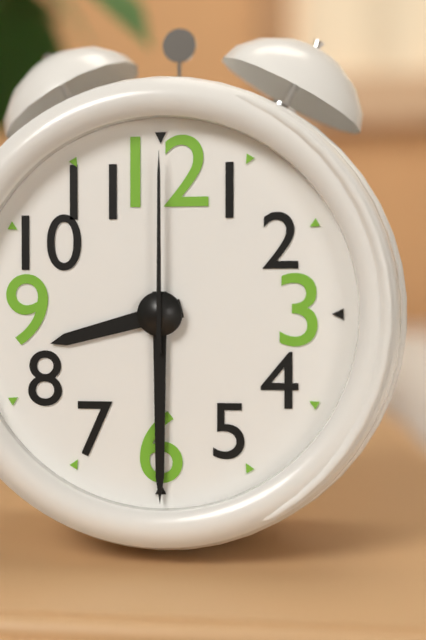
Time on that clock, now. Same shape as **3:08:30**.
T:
**8:30:00**
